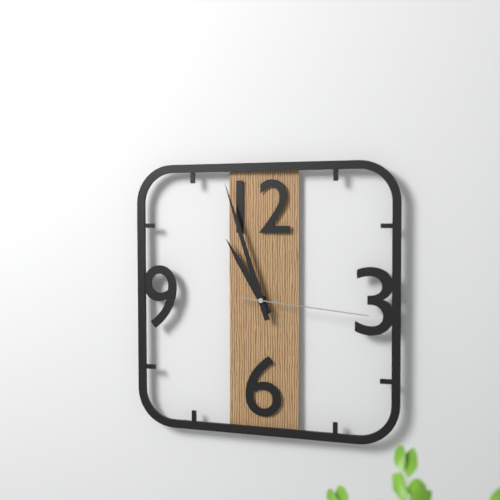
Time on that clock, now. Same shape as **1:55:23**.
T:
**10:57:16**
